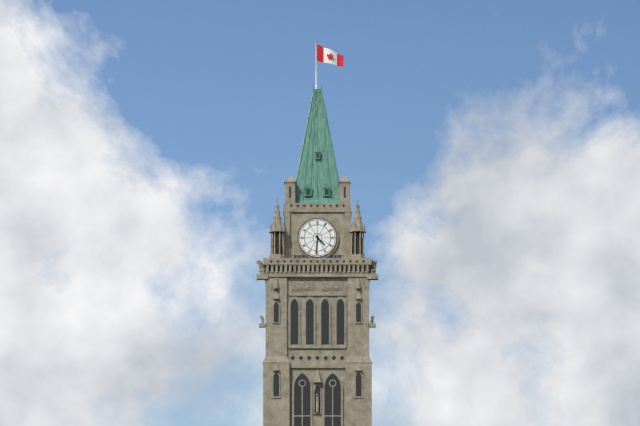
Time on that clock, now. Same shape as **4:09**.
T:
**4:31**
